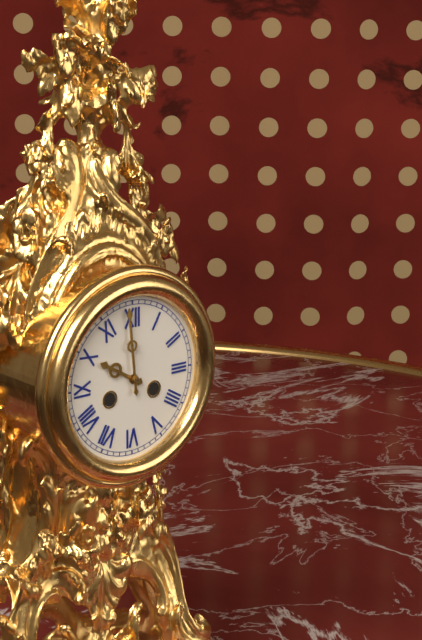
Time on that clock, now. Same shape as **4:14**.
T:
**9:59**
